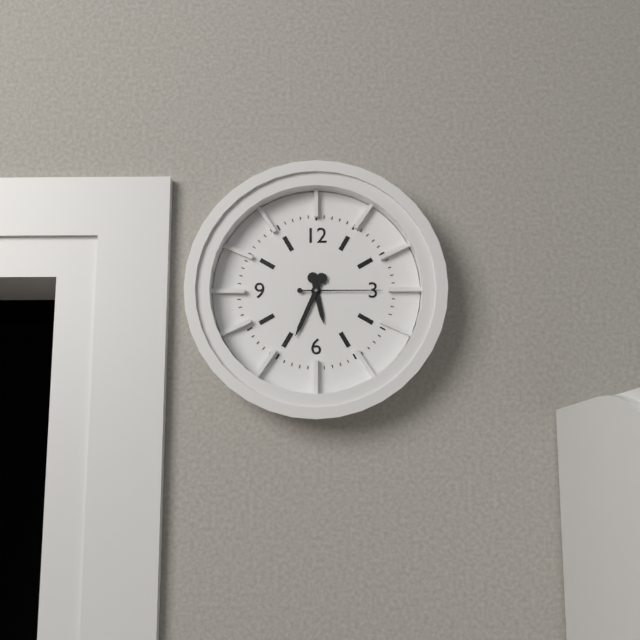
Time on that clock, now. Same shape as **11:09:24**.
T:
**5:34:15**
